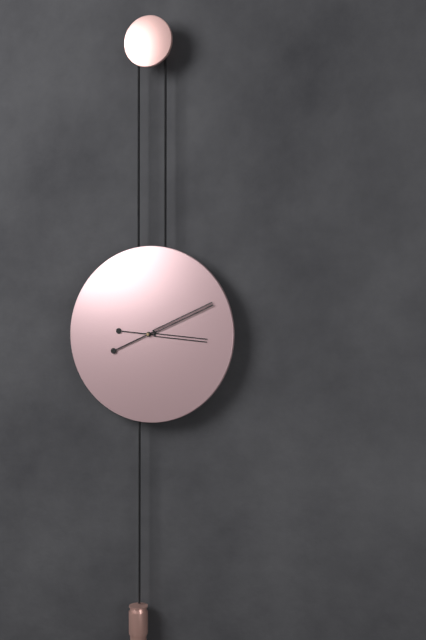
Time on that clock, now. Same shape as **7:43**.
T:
**3:11**
